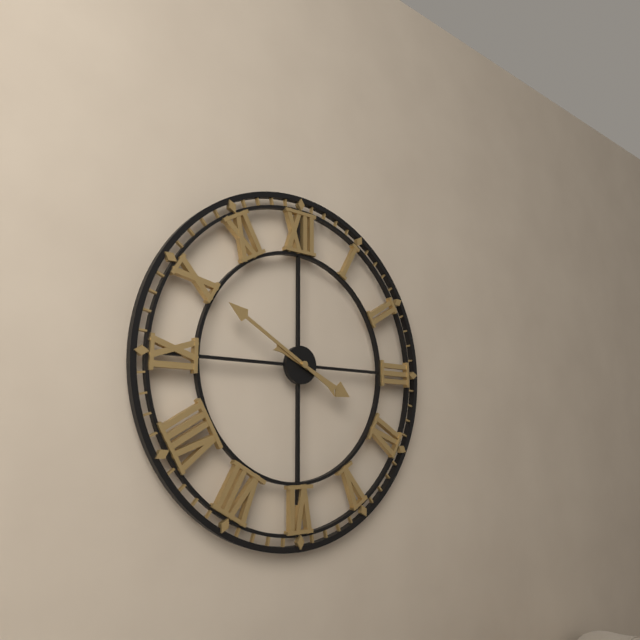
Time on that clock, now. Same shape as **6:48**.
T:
**3:50**
